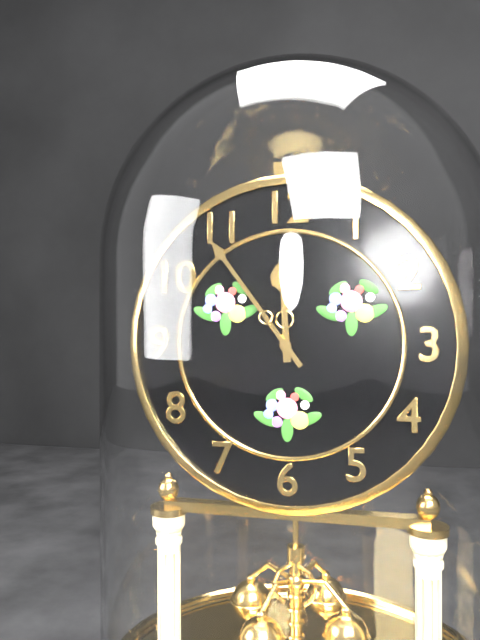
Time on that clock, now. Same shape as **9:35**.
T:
**11:54**
